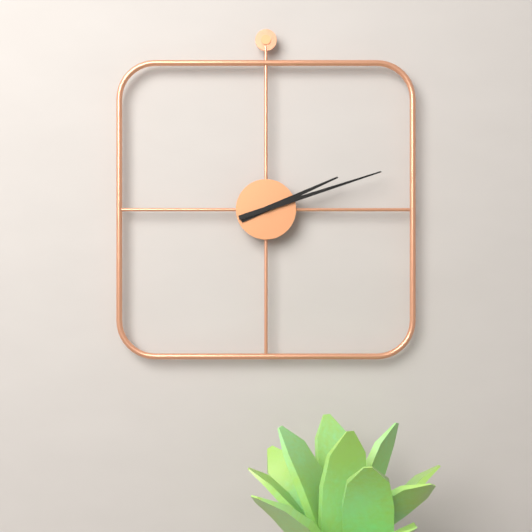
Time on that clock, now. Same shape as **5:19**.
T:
**2:12**
